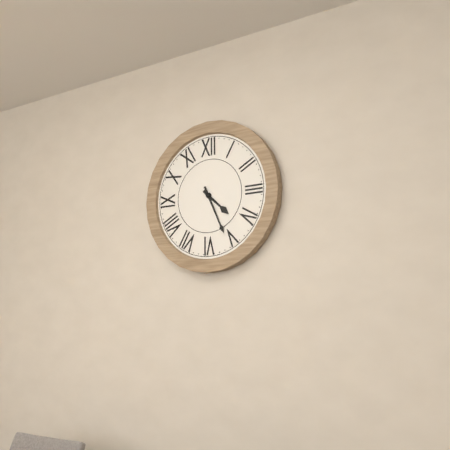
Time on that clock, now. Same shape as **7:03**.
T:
**4:26**
